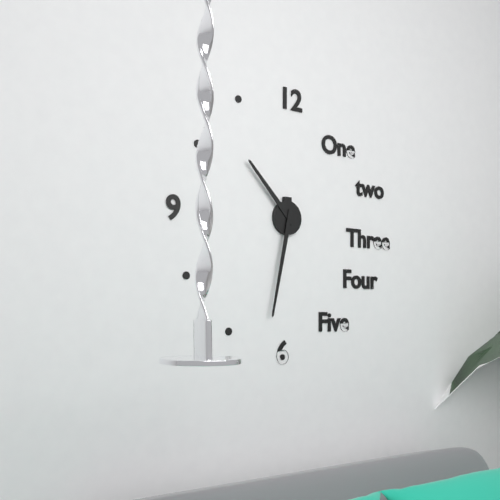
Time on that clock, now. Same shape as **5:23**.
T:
**10:32**
